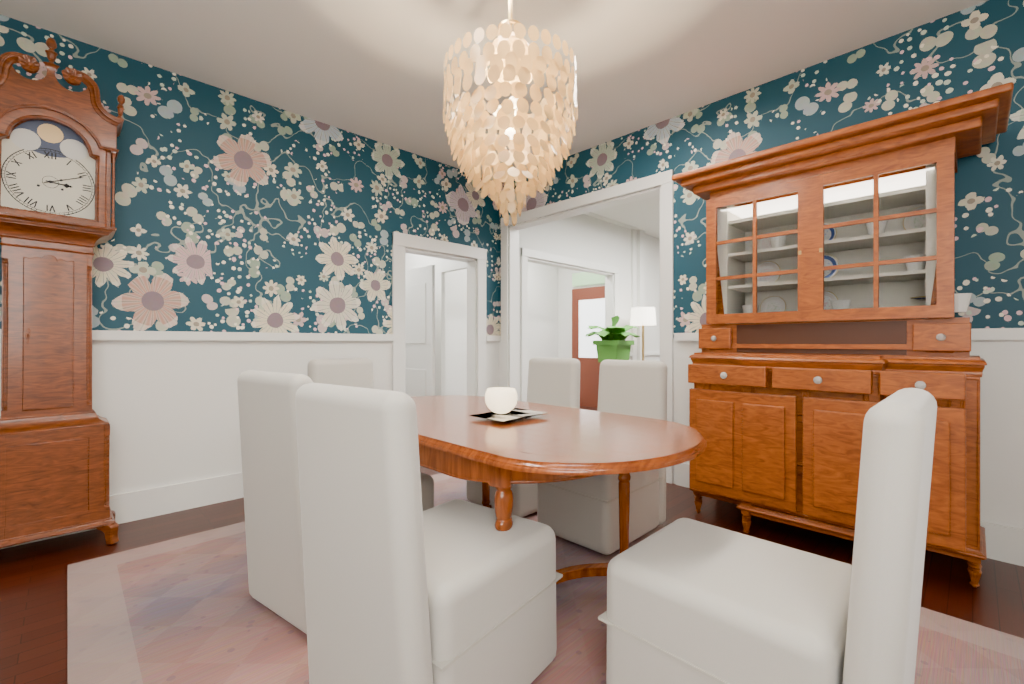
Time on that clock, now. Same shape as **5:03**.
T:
**3:11**
